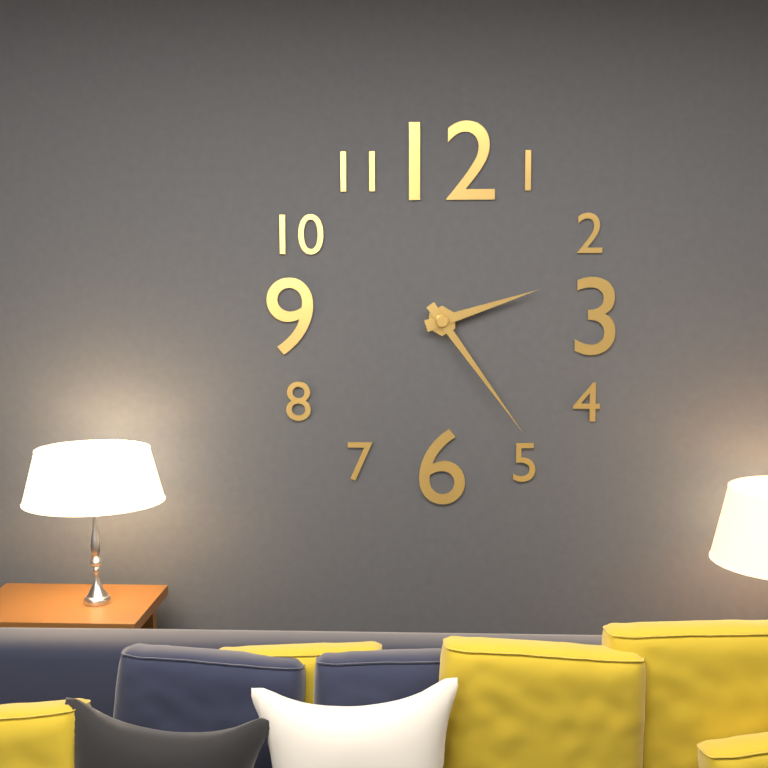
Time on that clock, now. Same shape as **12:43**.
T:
**2:24**
